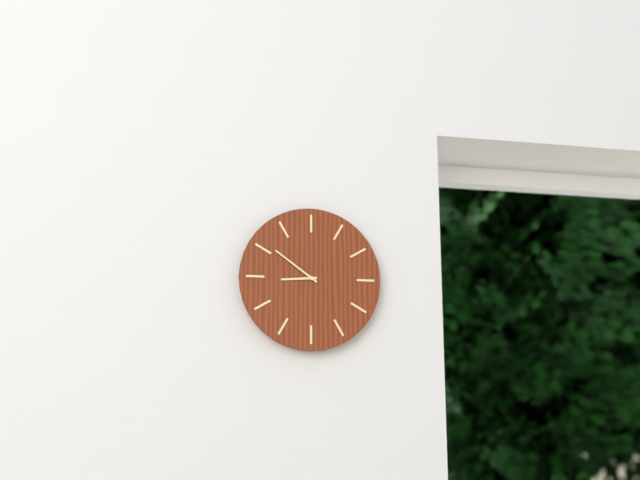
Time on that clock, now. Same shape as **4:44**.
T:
**8:51**
